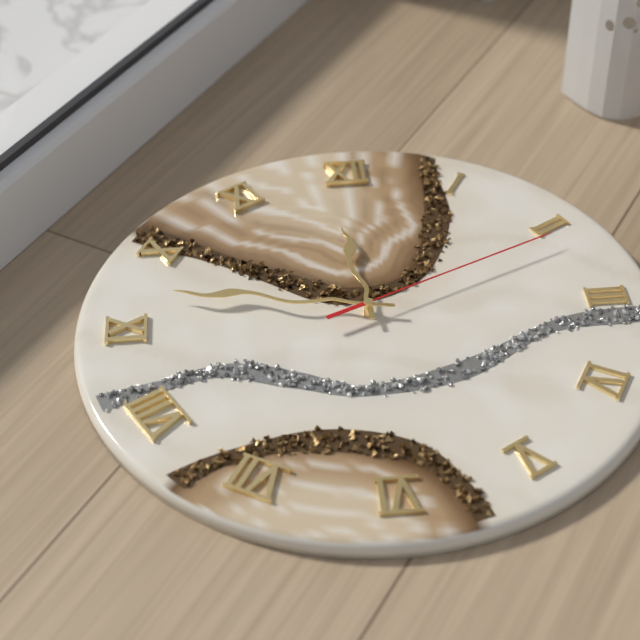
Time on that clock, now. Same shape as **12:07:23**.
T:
**11:47:11**
